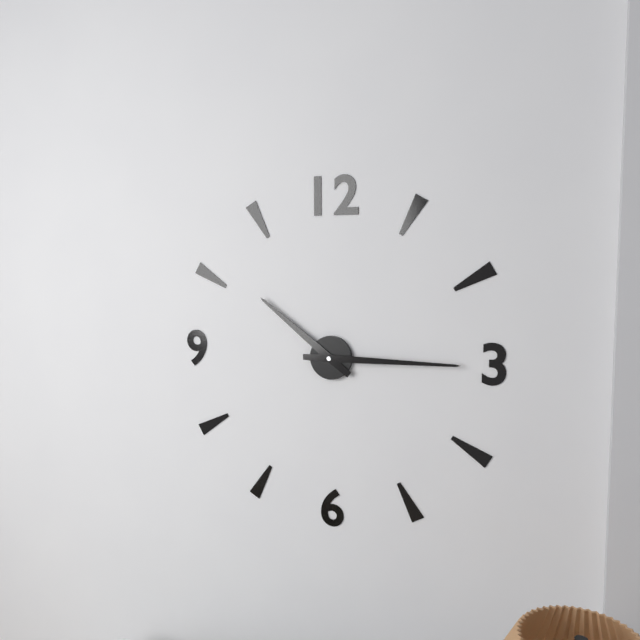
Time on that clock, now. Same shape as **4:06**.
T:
**10:15**
